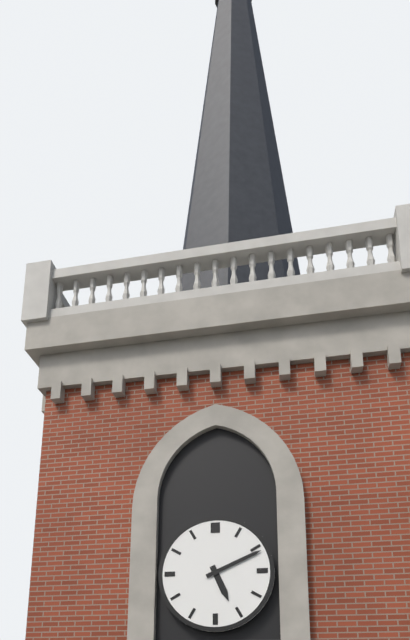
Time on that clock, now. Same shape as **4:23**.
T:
**5:11**
